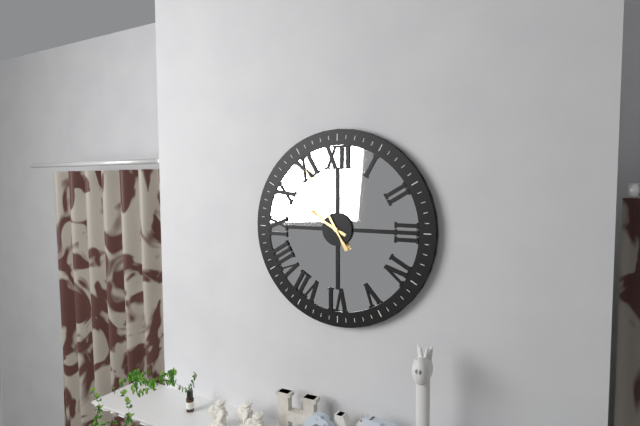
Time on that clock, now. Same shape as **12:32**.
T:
**9:55**
